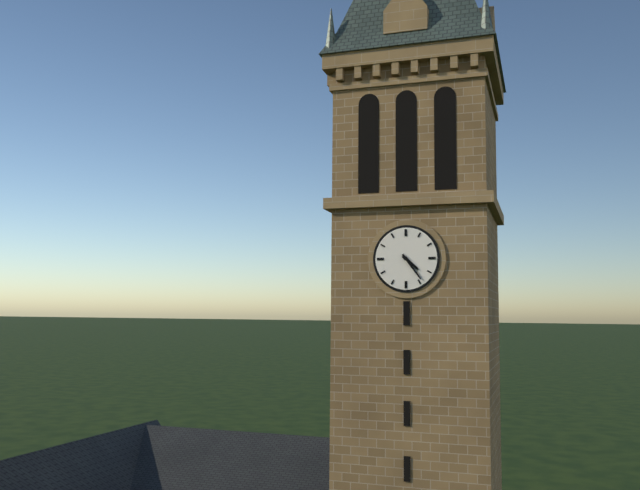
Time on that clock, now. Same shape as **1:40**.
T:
**4:24**
